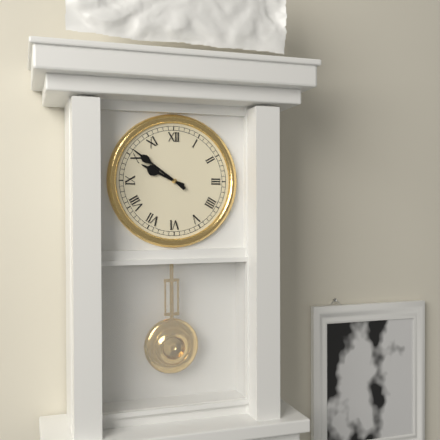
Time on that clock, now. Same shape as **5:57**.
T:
**9:51**
